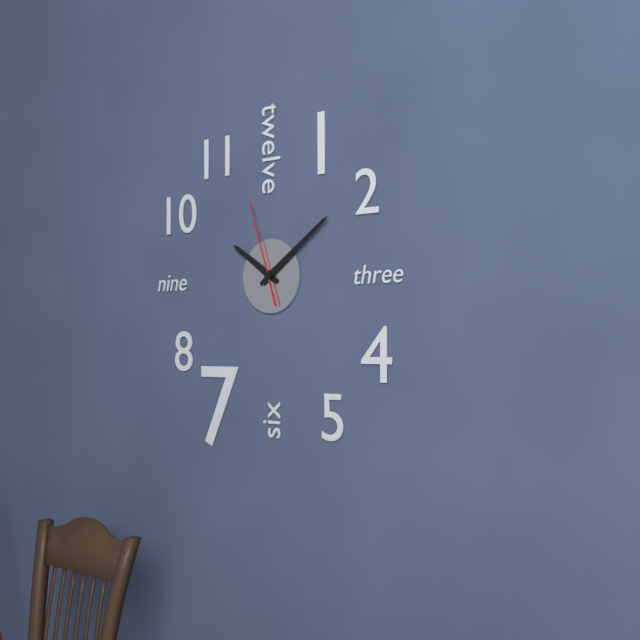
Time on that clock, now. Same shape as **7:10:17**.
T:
**10:09:57**
